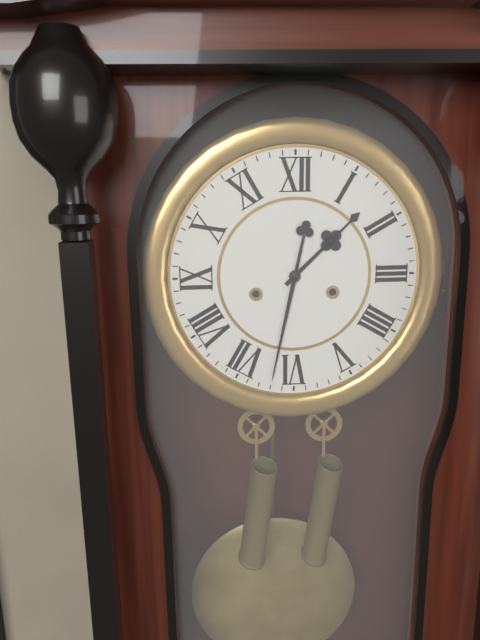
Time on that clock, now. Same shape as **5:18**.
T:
**1:32**
